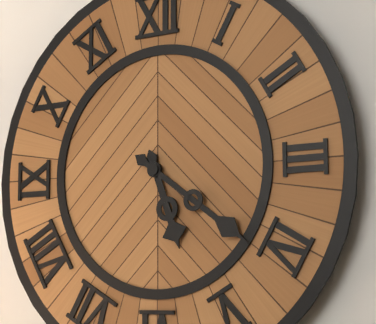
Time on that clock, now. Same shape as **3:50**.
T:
**5:21**
